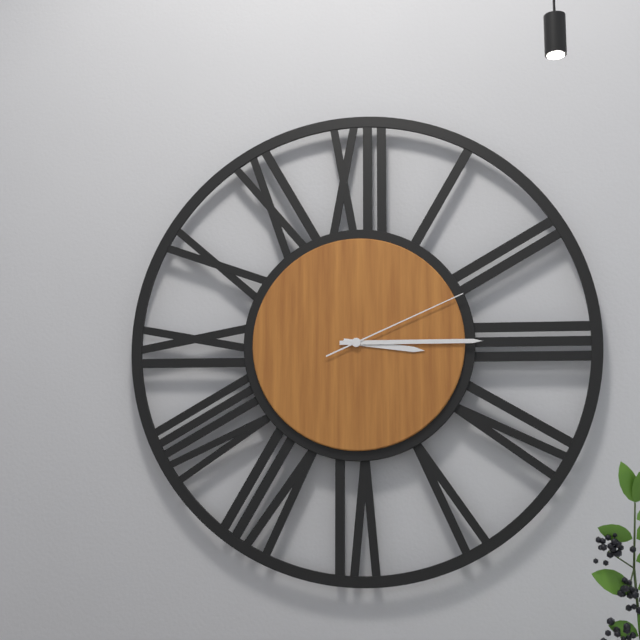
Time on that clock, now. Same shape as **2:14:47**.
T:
**3:15:11**
